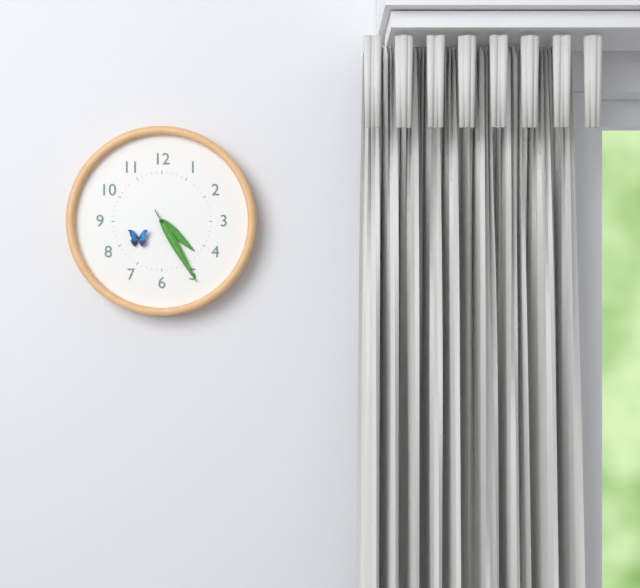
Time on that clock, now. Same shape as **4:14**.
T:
**4:25**
